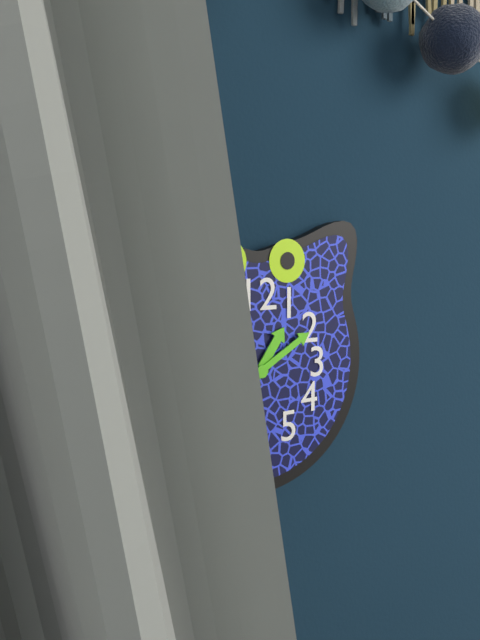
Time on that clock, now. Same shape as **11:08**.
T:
**1:10**
